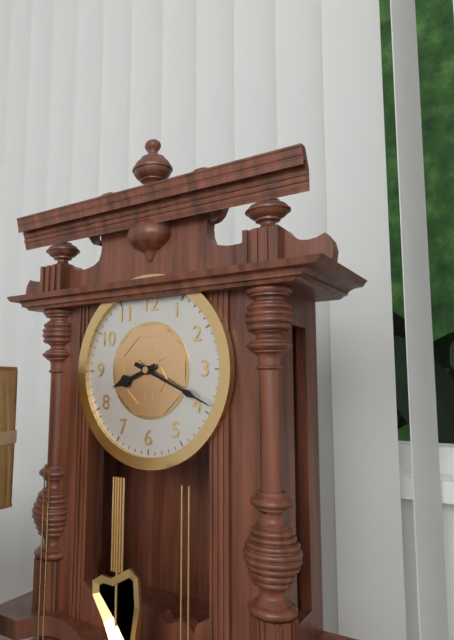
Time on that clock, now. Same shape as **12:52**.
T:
**8:19**
